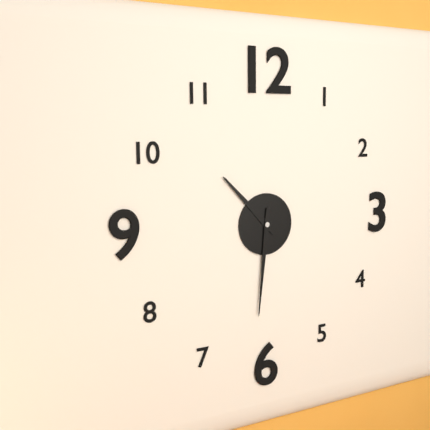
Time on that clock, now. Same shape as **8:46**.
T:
**10:31**
